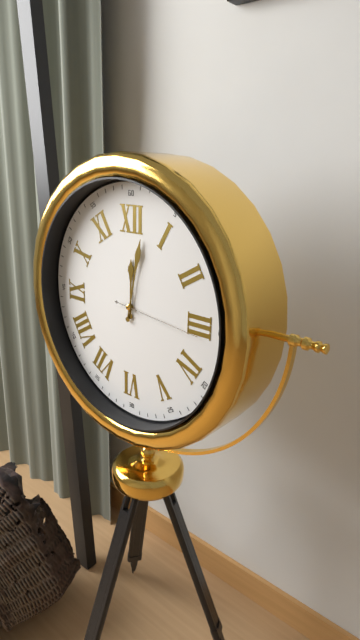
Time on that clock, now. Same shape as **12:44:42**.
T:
**12:02:16**
